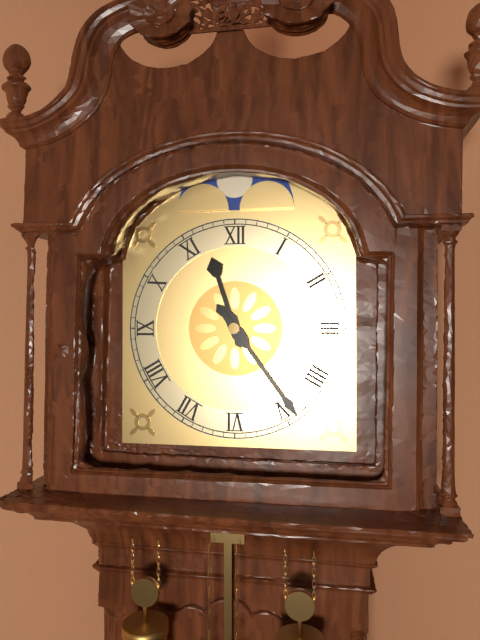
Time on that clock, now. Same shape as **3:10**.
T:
**11:24**
